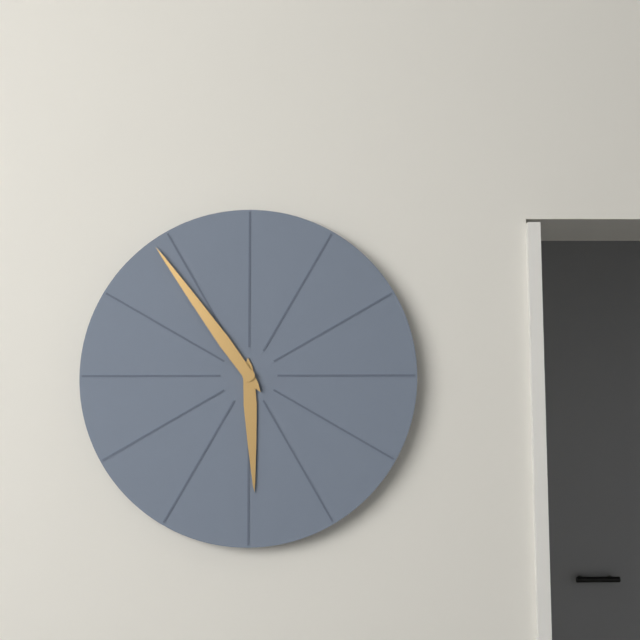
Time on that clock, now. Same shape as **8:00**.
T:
**5:54**
